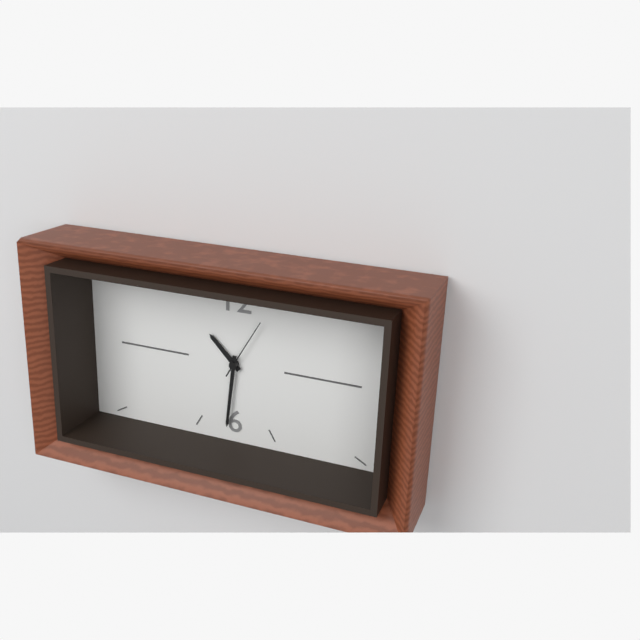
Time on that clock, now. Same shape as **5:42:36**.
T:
**10:31:05**
